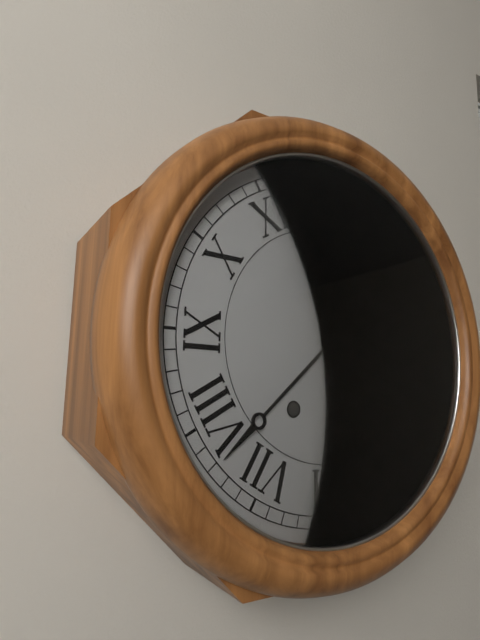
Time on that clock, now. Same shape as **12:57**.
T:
**11:38**
